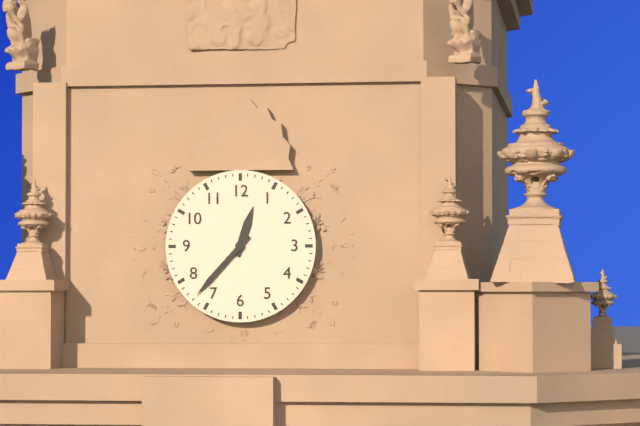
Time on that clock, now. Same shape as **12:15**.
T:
**12:37**
